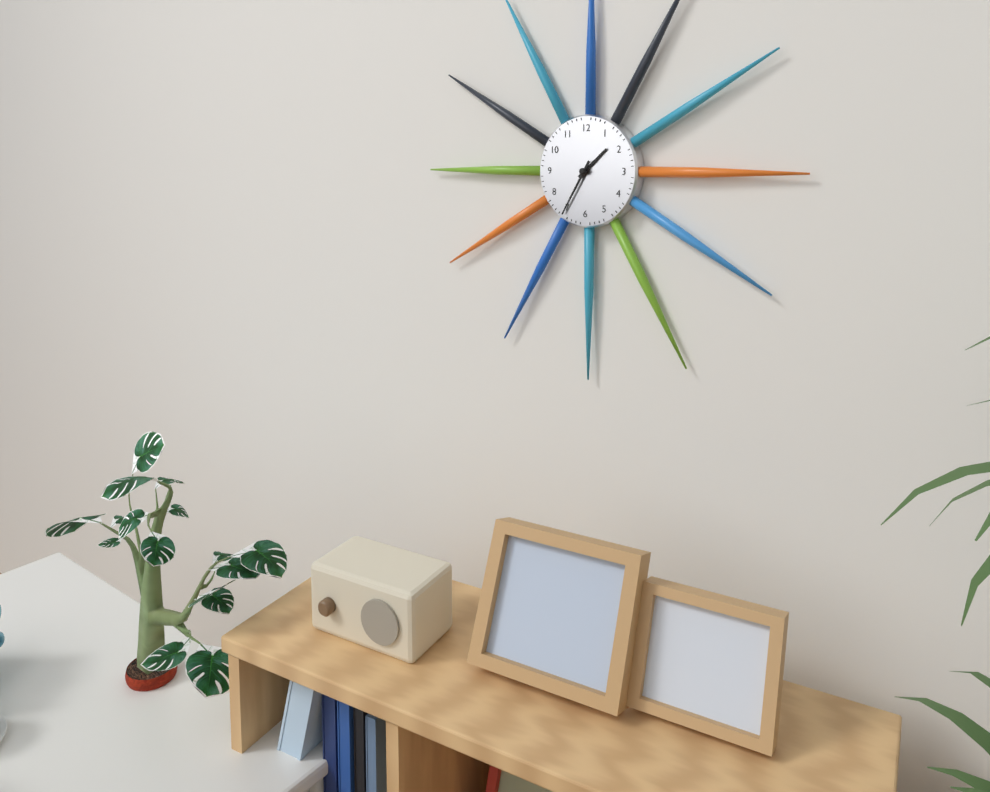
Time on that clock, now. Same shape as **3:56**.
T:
**1:35**
